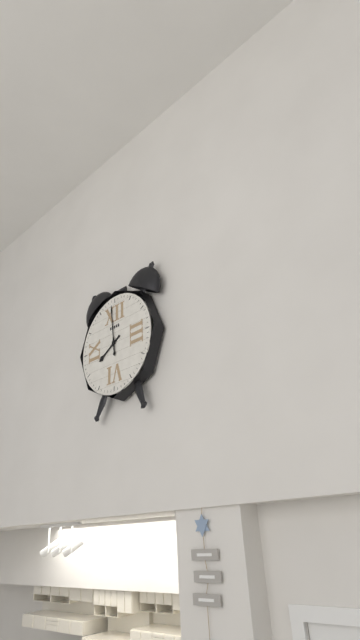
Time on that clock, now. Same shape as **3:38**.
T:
**7:59**
